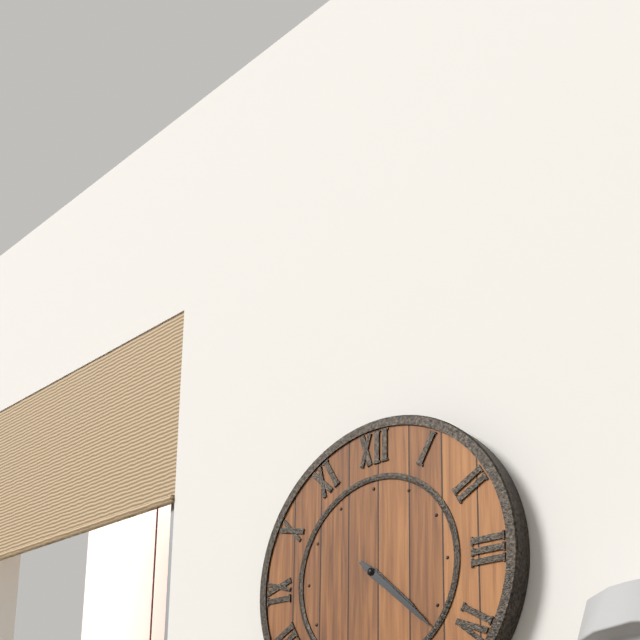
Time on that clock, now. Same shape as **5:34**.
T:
**4:22**
